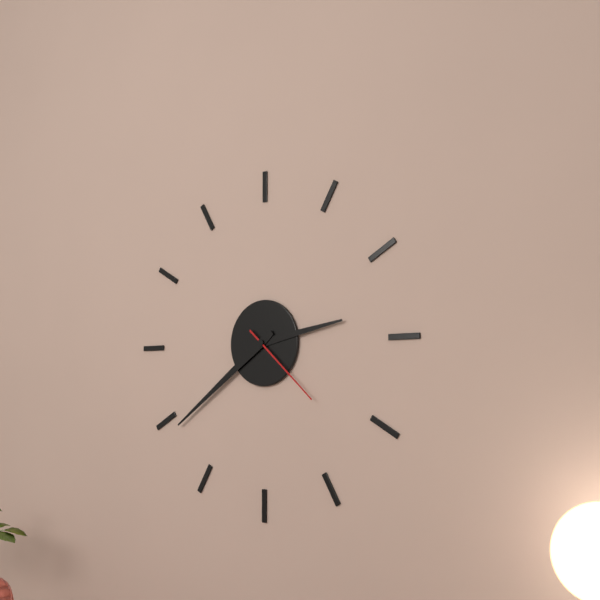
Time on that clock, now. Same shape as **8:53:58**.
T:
**2:39:22**
